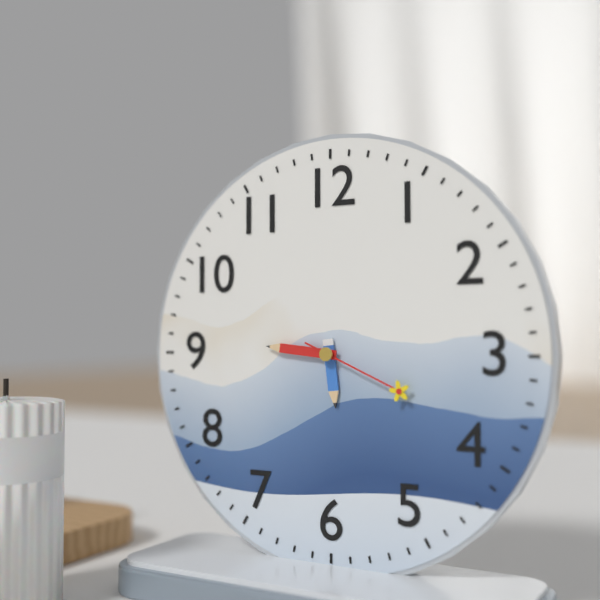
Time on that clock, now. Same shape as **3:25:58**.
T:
**5:46:19**
